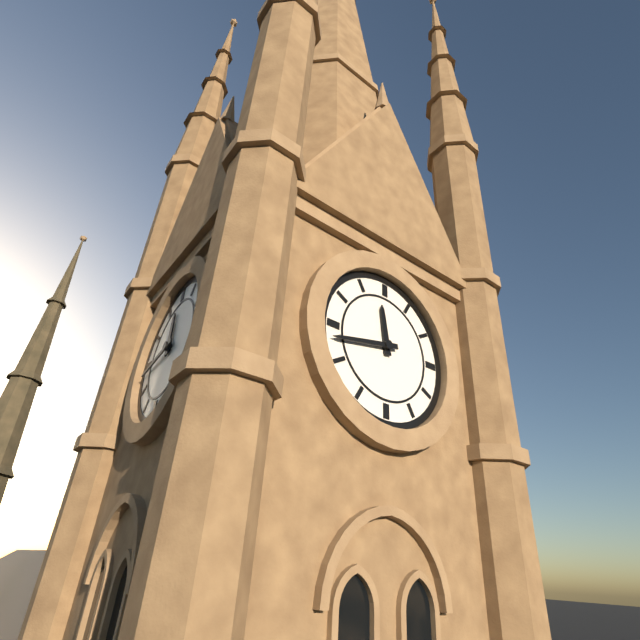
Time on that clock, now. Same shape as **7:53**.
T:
**11:43**
